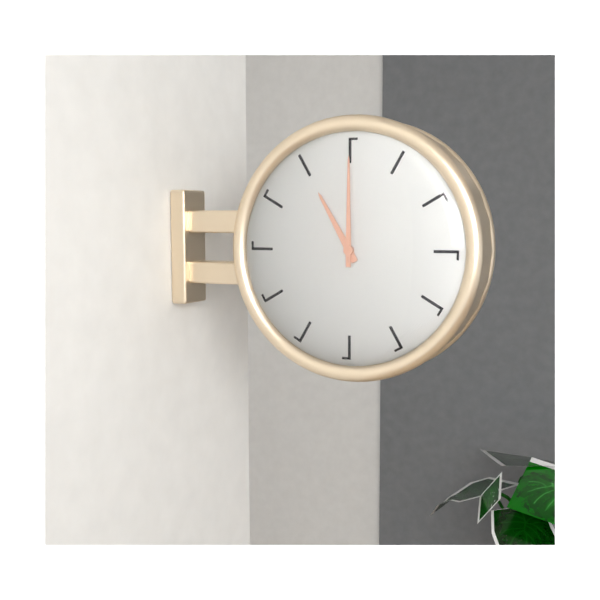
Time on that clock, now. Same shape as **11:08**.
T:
**11:00**
